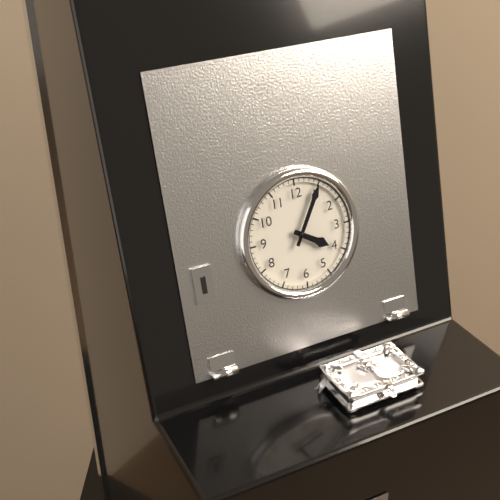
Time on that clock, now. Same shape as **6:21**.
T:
**4:05**
